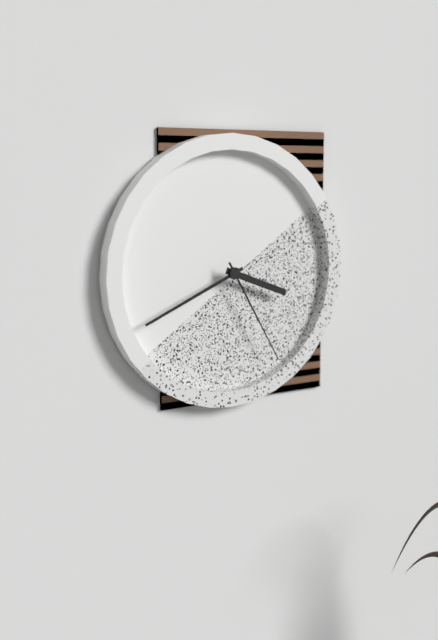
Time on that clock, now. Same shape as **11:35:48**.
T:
**3:41:25**
